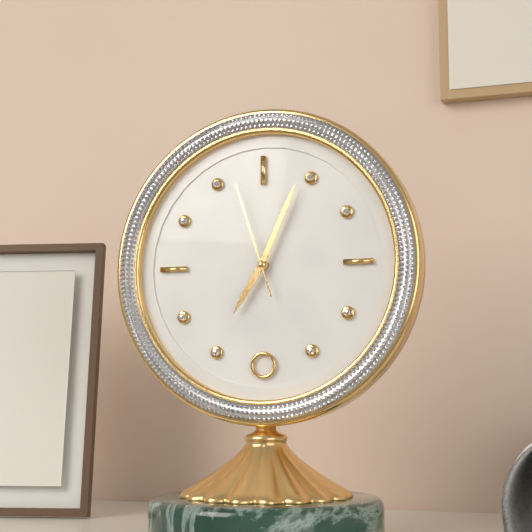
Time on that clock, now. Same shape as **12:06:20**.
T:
**7:04:57**
